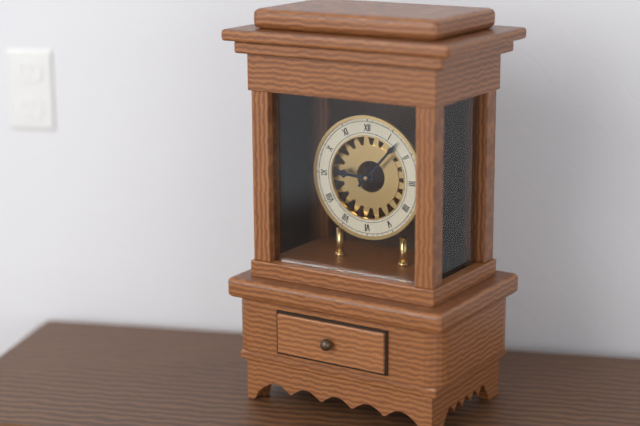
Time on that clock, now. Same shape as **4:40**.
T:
**9:07**
